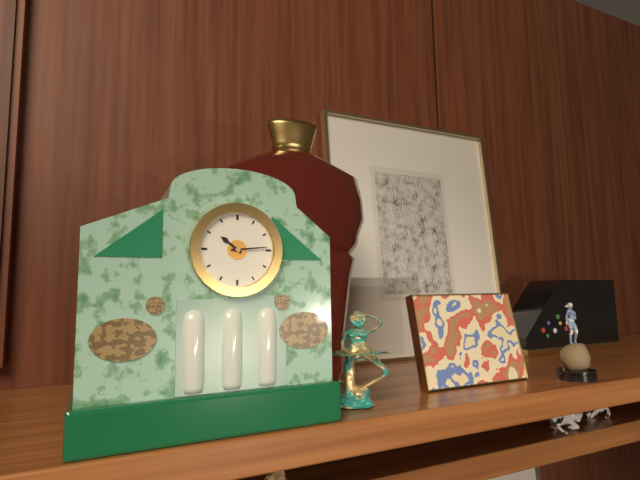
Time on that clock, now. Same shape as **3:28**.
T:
**10:14**
